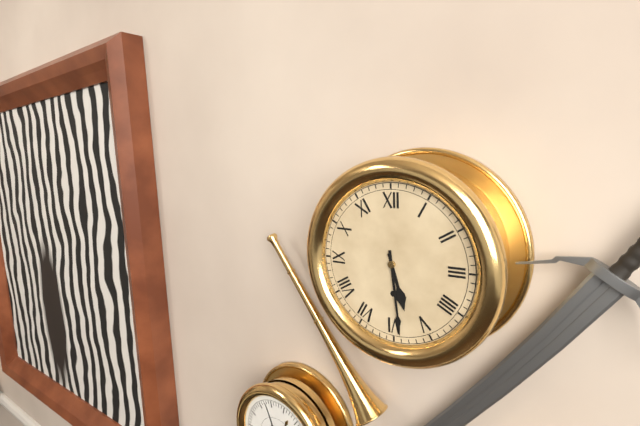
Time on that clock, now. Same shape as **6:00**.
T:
**5:29**
